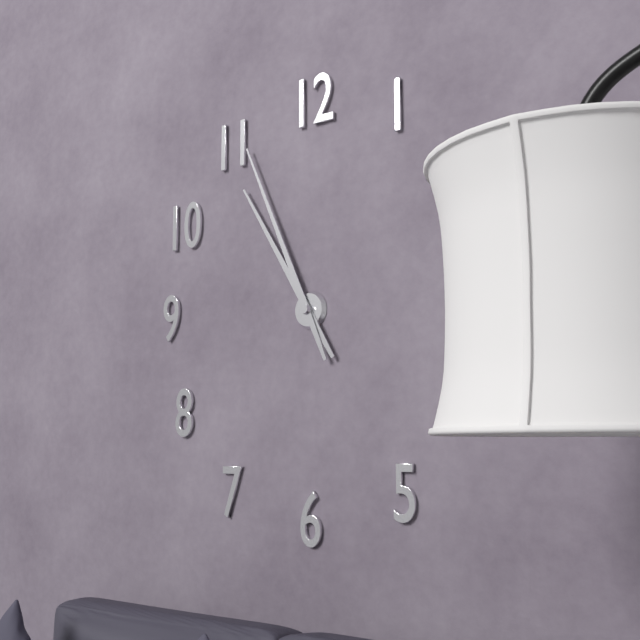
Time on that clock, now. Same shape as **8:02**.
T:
**10:56**
